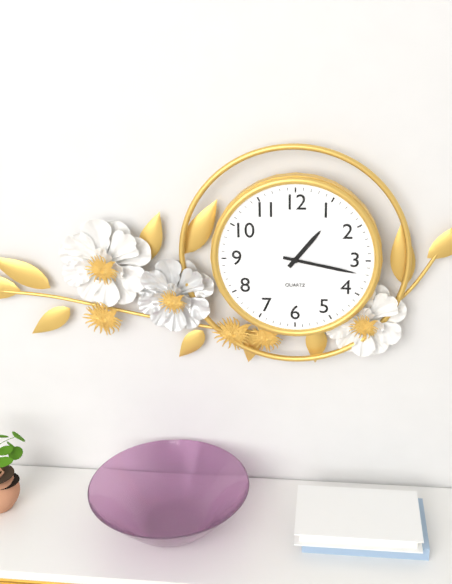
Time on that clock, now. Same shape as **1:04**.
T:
**1:17**
